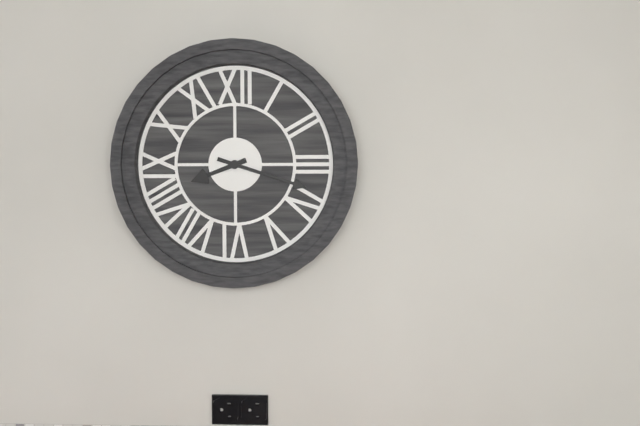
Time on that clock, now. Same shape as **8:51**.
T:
**8:18**
